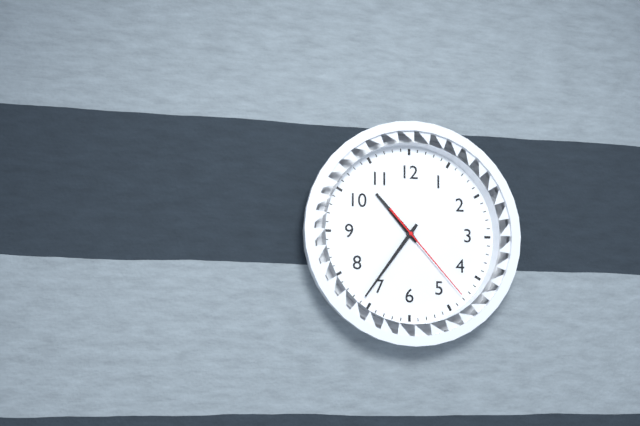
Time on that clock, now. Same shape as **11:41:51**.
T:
**10:36:23**
